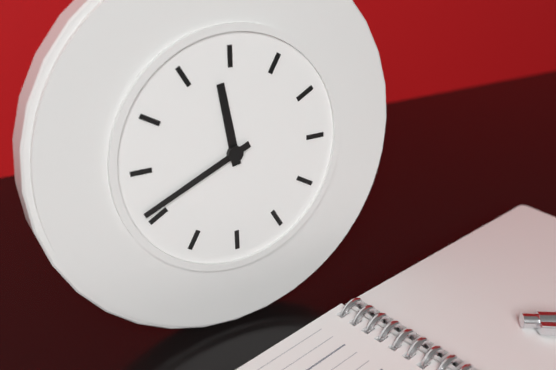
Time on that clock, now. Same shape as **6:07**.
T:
**11:41**
